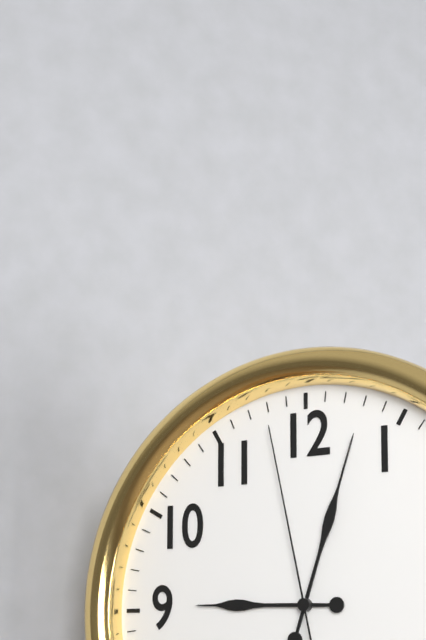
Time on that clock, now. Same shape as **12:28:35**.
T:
**9:03:58**
